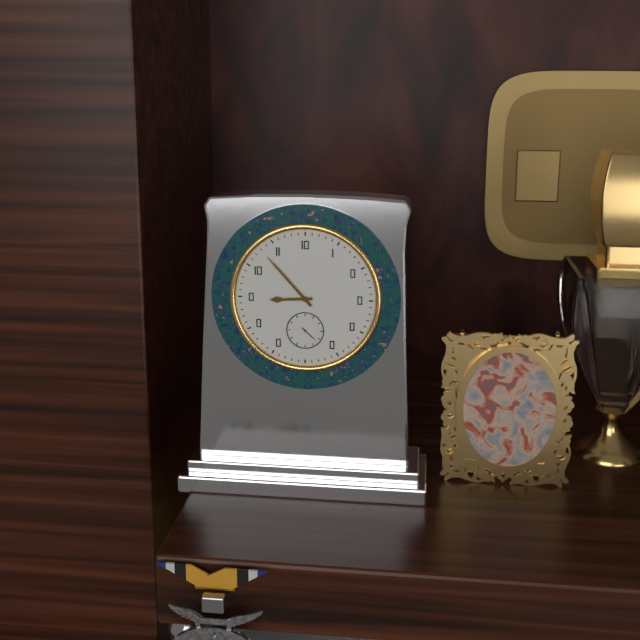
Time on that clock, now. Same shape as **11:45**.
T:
**8:53**
